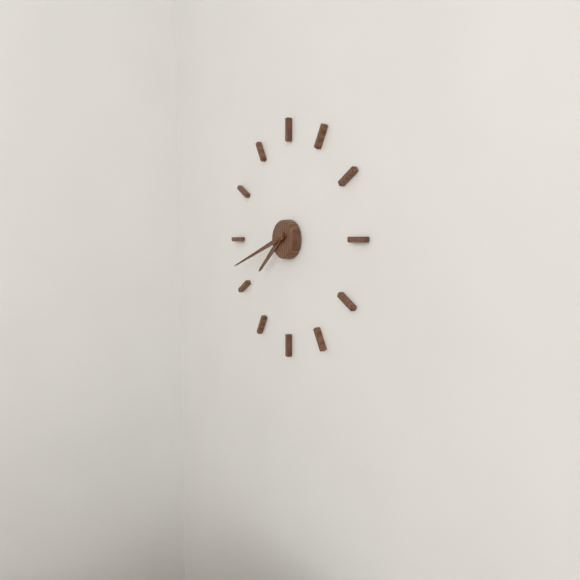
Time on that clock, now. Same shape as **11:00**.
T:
**7:42**
